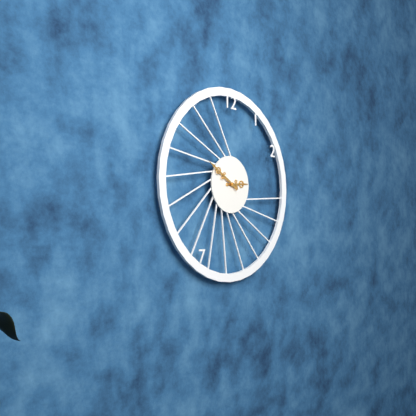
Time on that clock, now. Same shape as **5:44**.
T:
**2:50**
